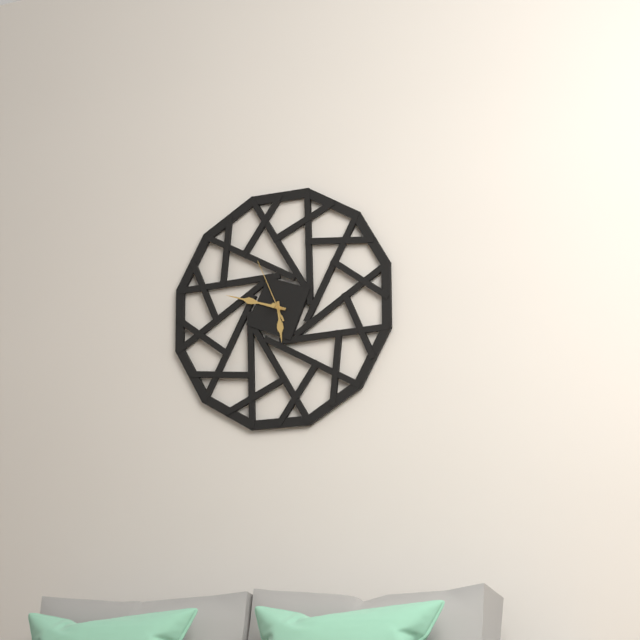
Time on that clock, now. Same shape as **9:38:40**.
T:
**5:48:56**
